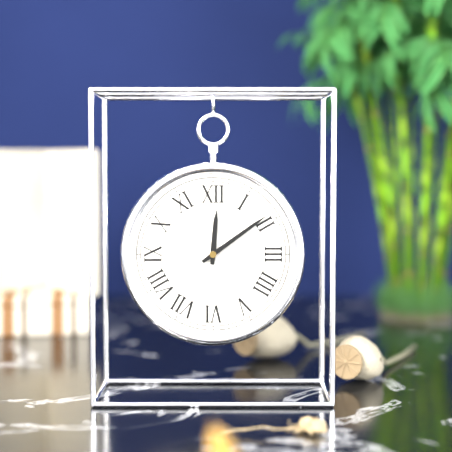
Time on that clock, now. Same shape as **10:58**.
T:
**12:09**
